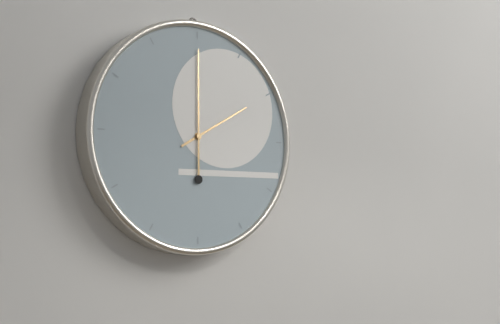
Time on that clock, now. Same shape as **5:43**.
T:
**2:00**
